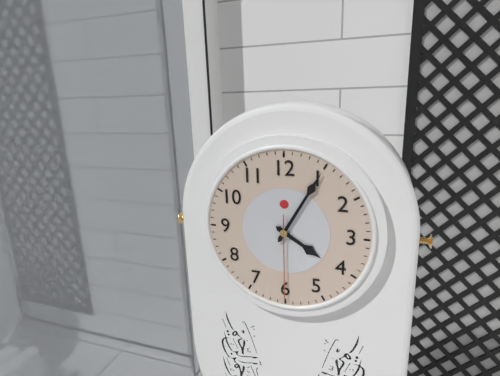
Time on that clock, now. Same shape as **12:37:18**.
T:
**4:05:30**
